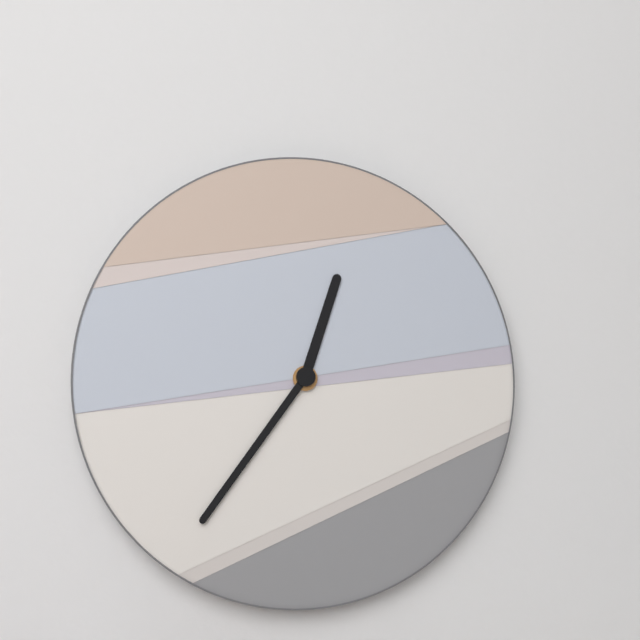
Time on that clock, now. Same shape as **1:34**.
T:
**12:36**
